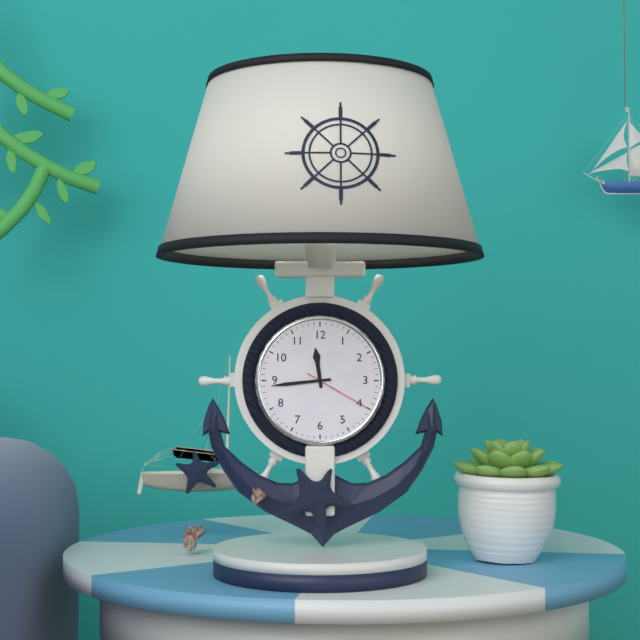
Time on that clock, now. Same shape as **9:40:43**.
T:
**11:44:20**
